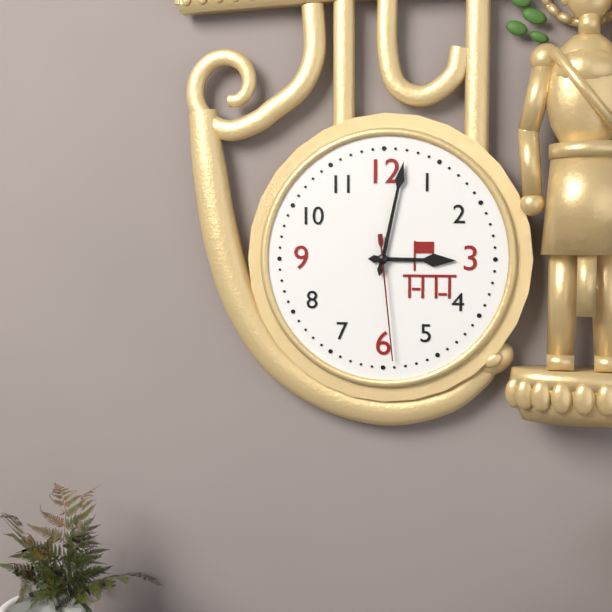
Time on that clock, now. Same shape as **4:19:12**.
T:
**3:02:29**
